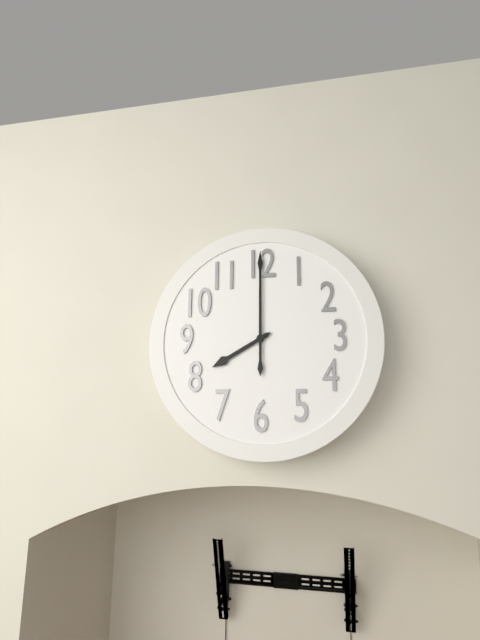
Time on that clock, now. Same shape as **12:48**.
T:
**8:00**
